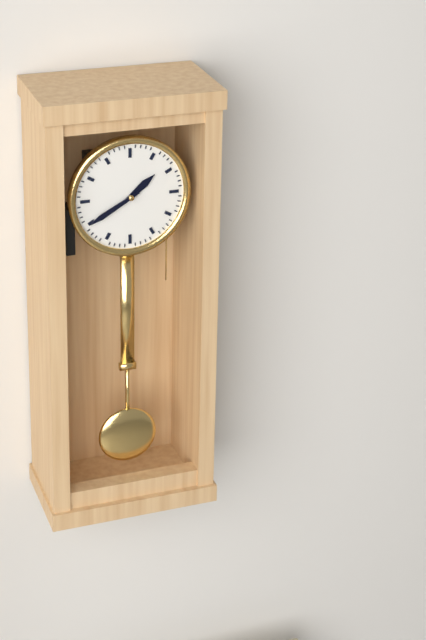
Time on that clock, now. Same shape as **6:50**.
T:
**1:40**
